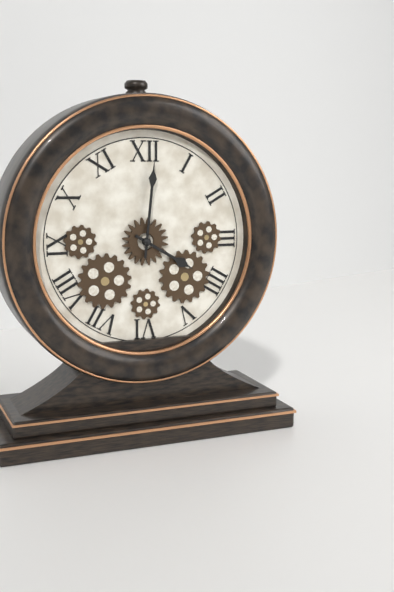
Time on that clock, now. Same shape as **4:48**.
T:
**4:01**
